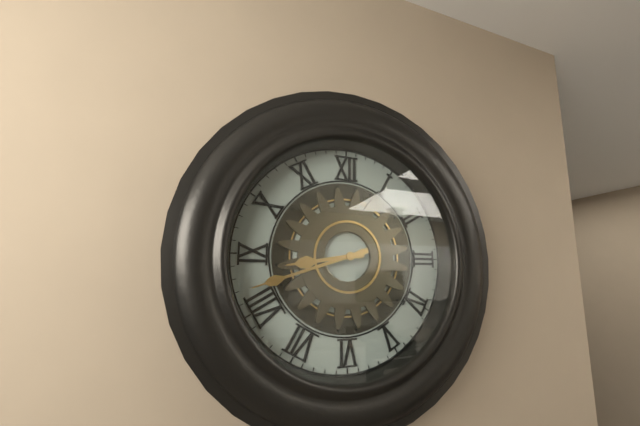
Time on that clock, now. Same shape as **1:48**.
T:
**8:42**
